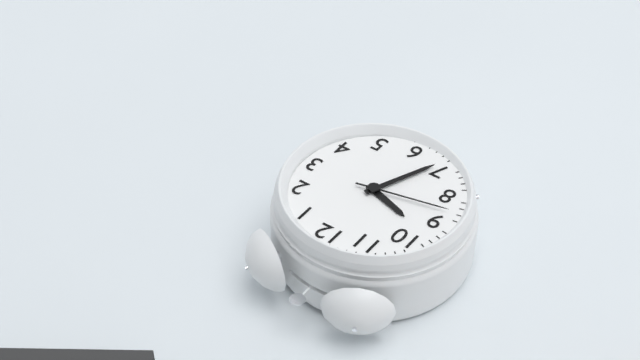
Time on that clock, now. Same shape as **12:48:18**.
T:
**9:34:43**
